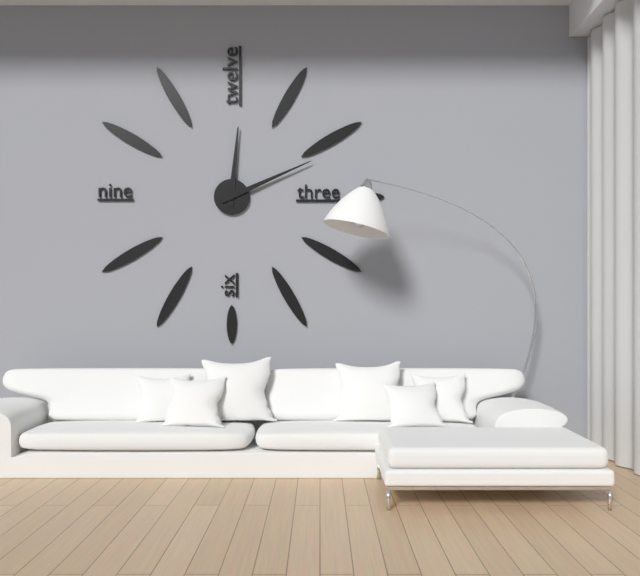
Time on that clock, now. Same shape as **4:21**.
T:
**12:11**
